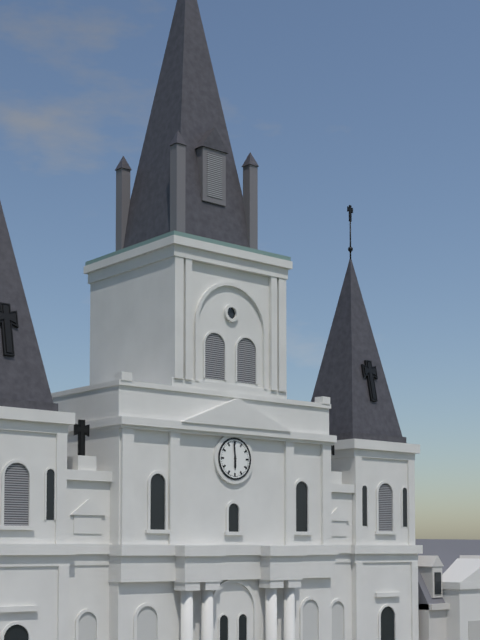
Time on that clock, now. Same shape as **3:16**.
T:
**5:59**
